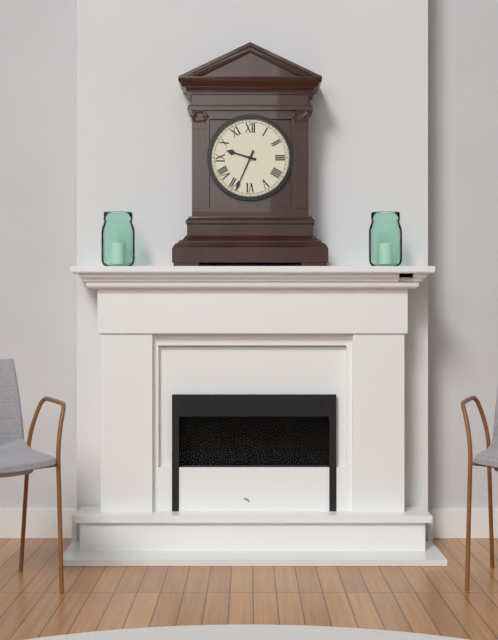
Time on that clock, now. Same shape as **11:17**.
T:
**9:34**
